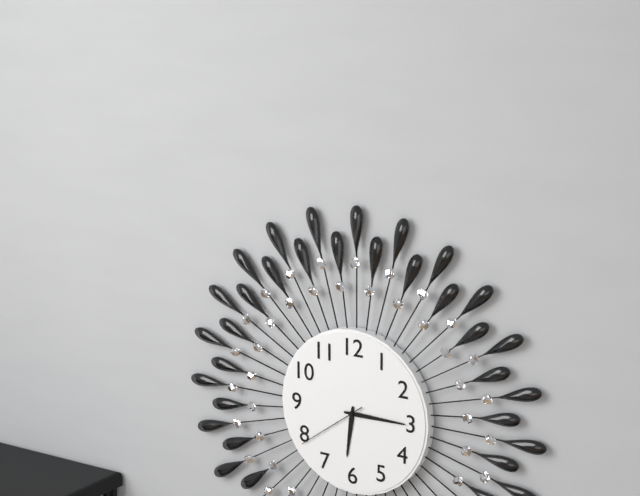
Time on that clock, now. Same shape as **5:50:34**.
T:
**6:15:39**
